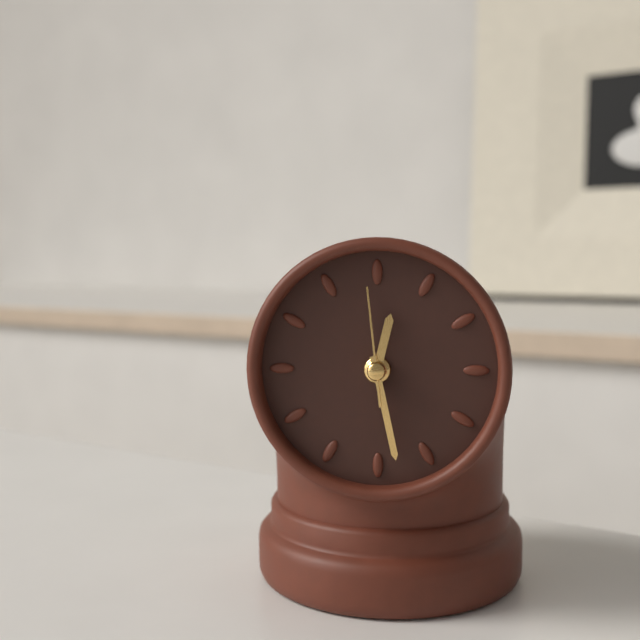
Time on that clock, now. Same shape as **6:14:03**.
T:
**12:28:59**
